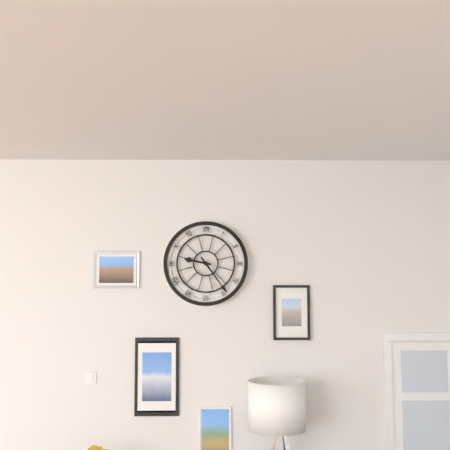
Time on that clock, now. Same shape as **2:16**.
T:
**9:24**
